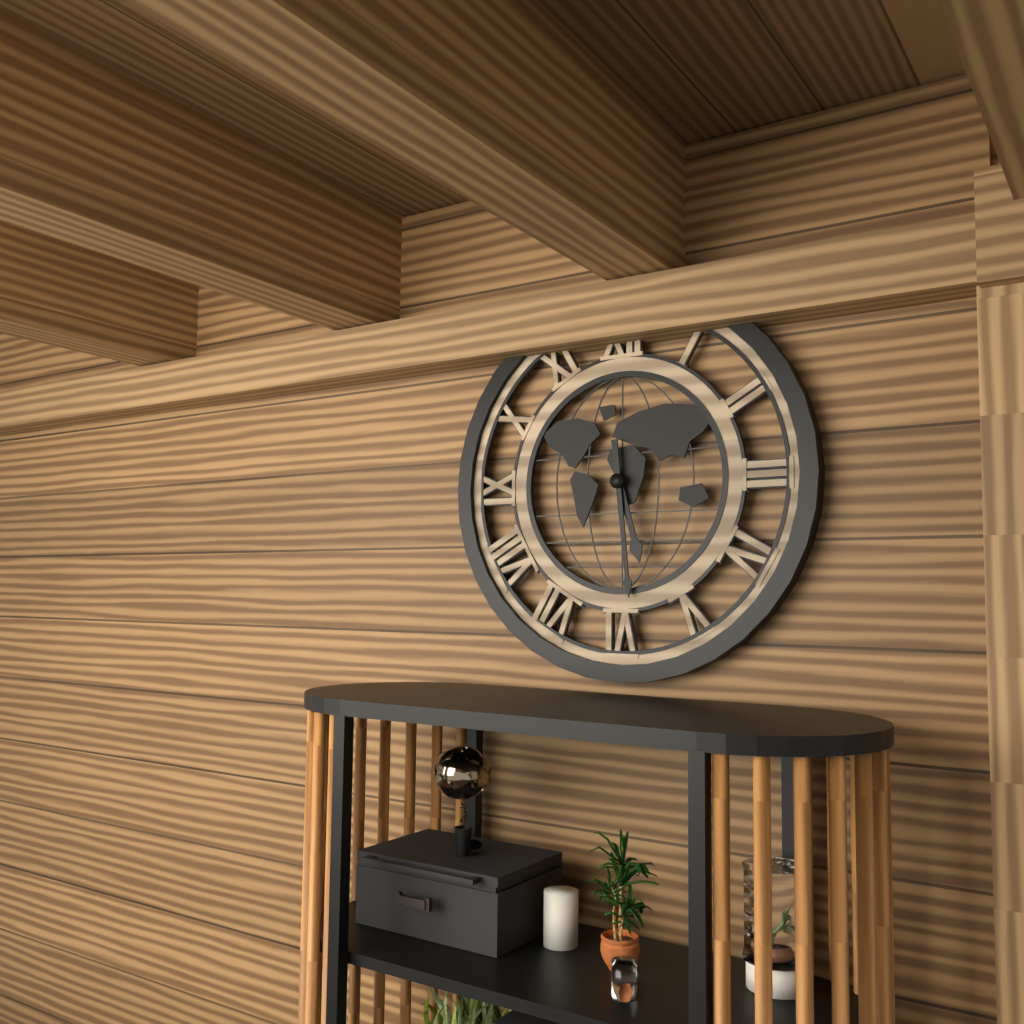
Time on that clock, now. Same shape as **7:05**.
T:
**5:29**
